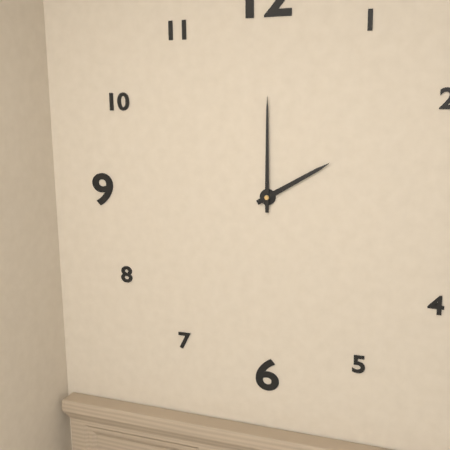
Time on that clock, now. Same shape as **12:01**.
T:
**2:00**
